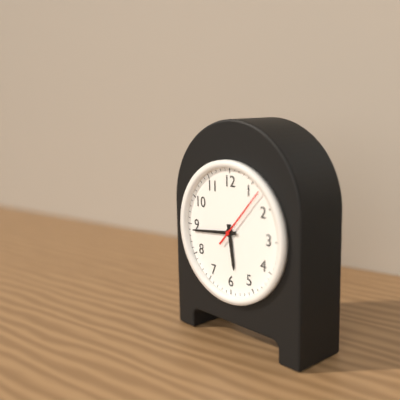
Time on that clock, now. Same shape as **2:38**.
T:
**5:44**
